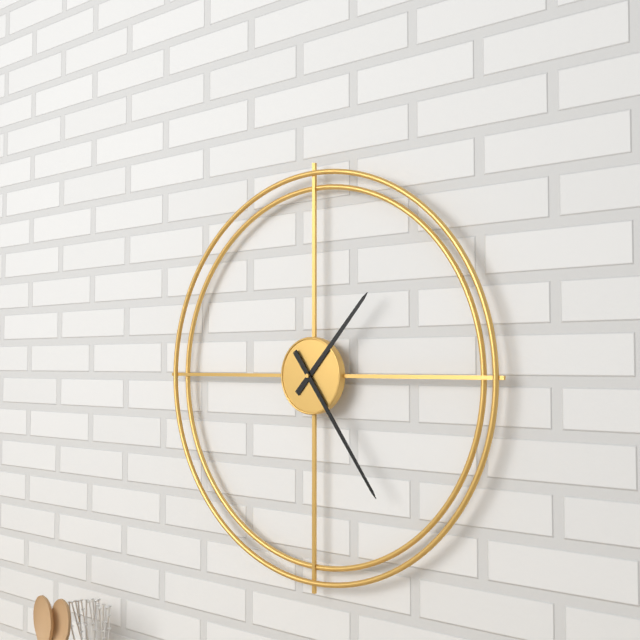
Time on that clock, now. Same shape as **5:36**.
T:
**1:24**
